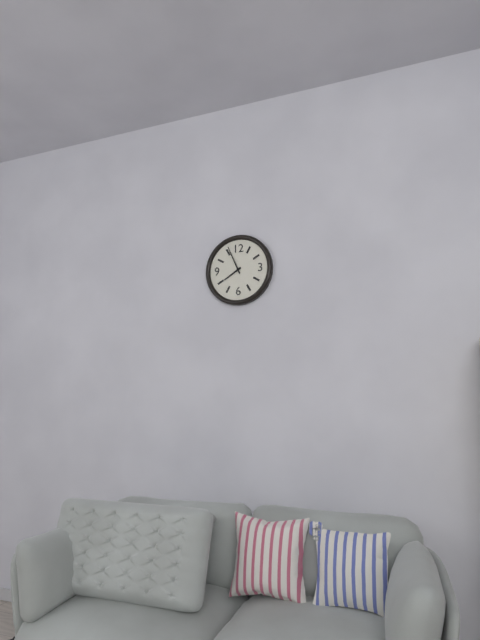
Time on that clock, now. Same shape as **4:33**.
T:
**7:56**
